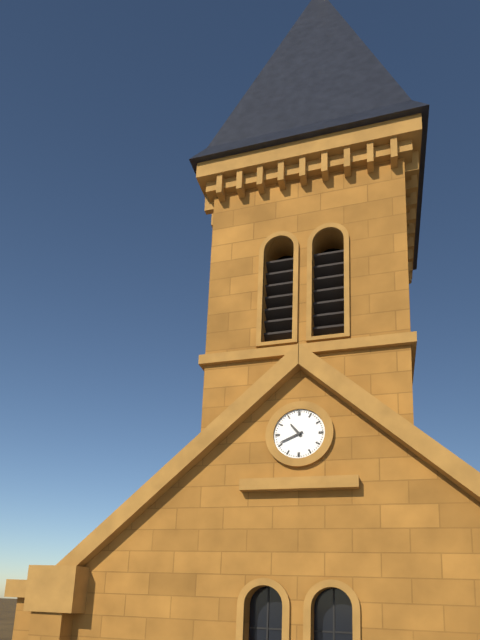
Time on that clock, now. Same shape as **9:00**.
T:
**10:41**
